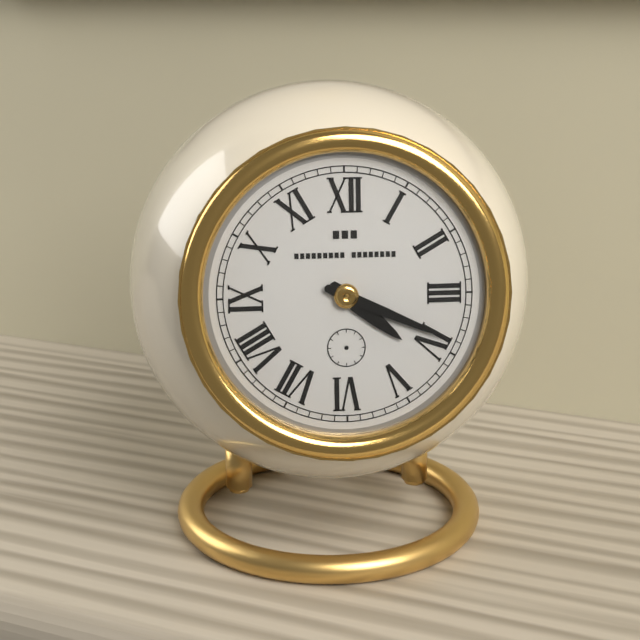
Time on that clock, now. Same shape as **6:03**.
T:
**4:19**
